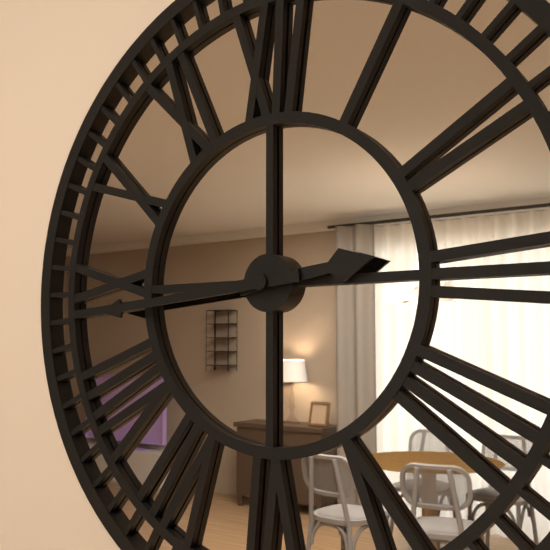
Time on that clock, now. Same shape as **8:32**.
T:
**2:44**
